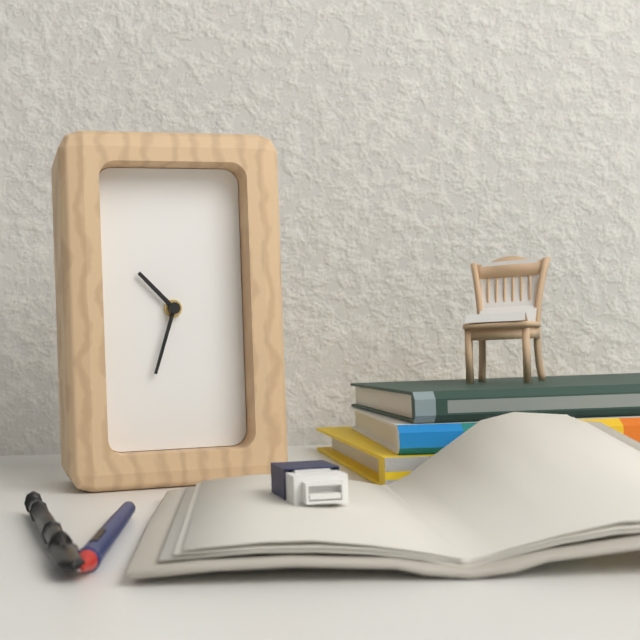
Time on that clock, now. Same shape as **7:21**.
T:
**10:33**
